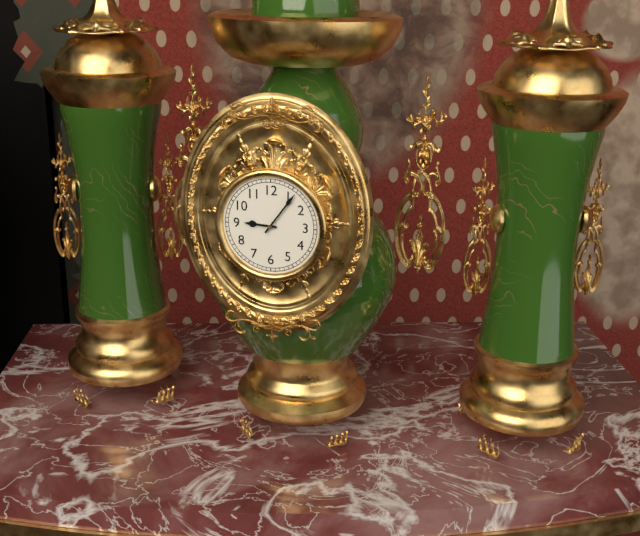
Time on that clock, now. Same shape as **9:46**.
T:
**9:06**
